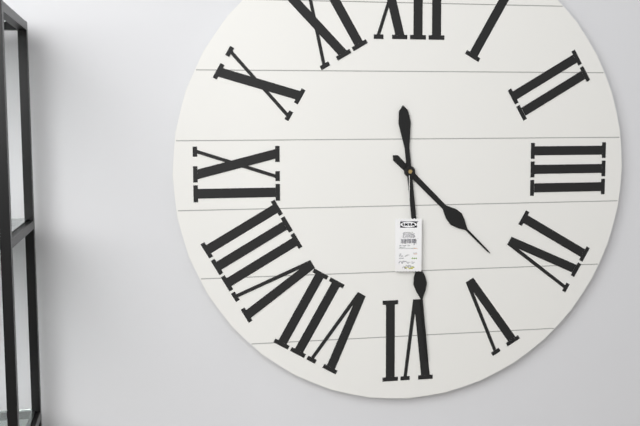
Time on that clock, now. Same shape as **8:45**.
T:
**4:29**
